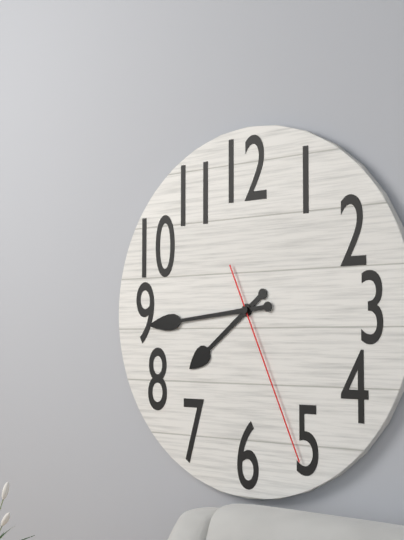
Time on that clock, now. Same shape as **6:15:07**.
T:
**7:44:26**
